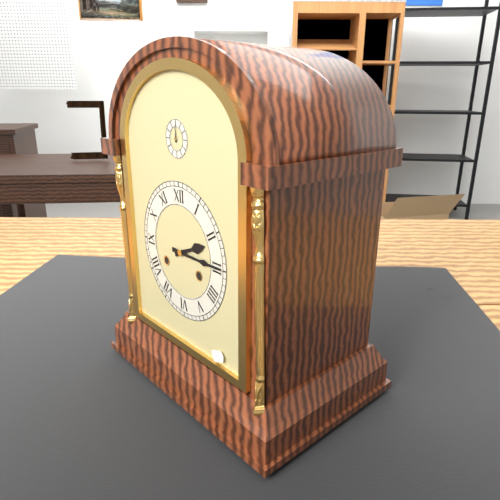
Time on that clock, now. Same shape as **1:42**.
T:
**2:15**
